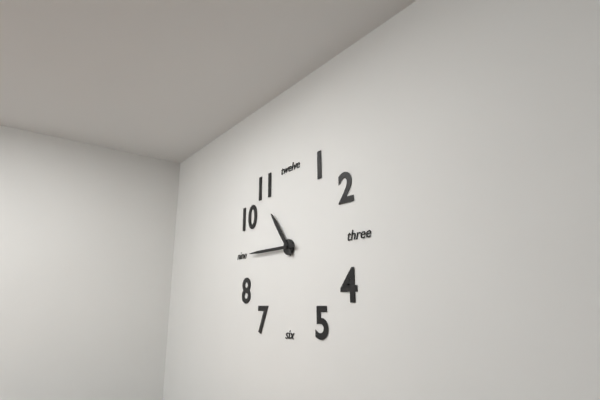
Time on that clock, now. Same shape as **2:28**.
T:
**10:45**
